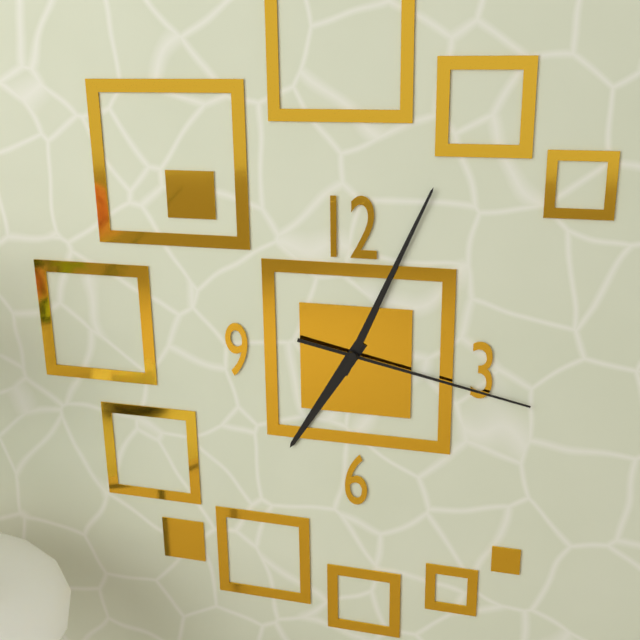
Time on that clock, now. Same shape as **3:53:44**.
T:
**7:04:17**
